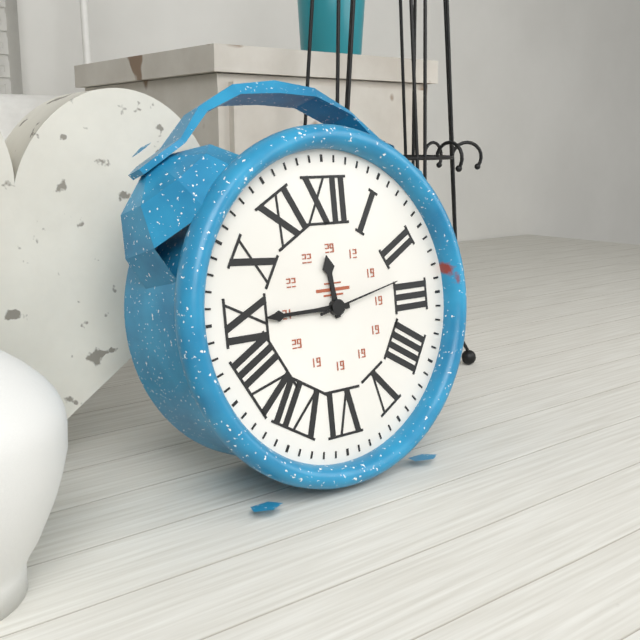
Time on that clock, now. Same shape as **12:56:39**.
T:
**11:45:13**
